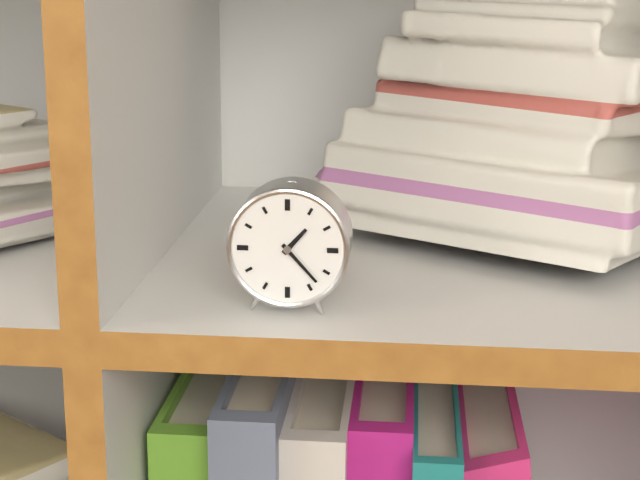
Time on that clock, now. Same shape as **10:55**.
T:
**1:23**
